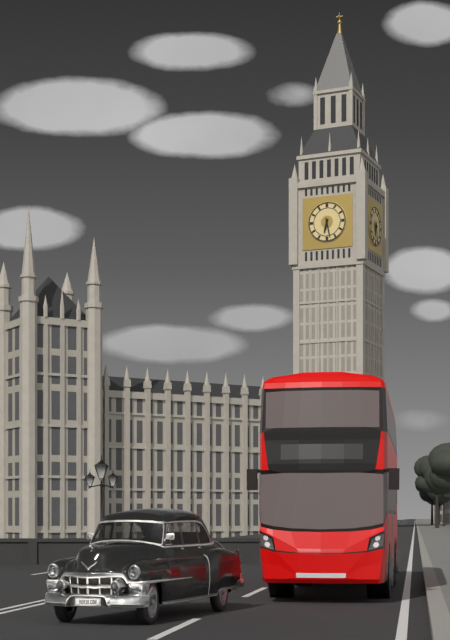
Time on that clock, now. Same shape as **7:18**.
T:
**6:28**
